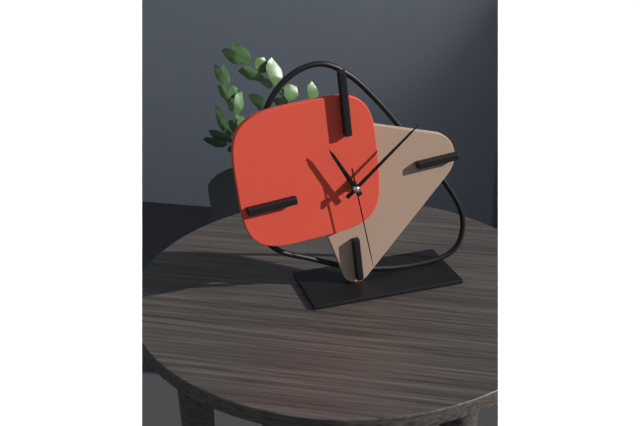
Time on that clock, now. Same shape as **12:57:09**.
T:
**11:09:29**
